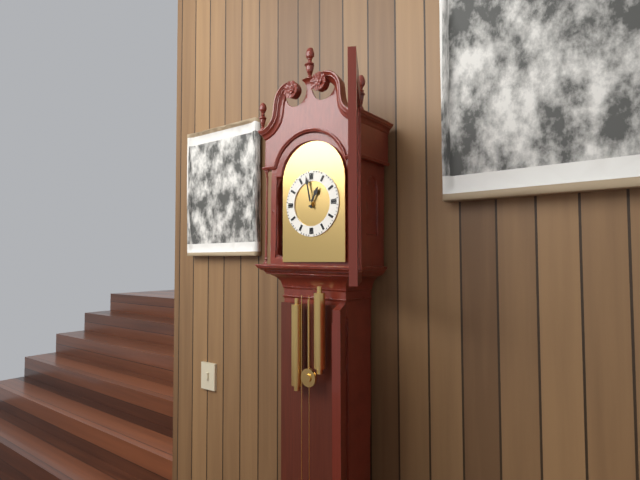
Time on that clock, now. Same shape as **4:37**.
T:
**12:58**
